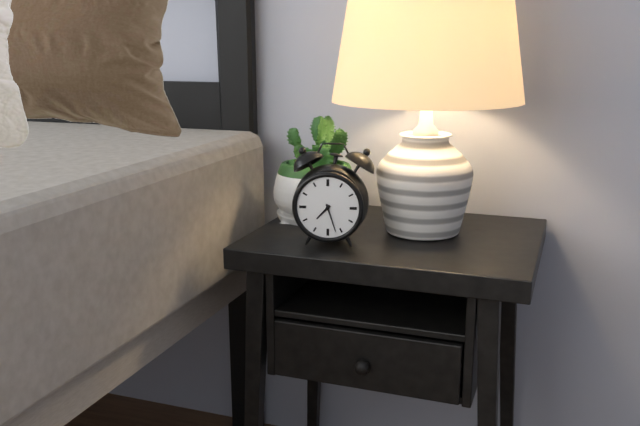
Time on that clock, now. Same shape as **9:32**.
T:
**7:27**
